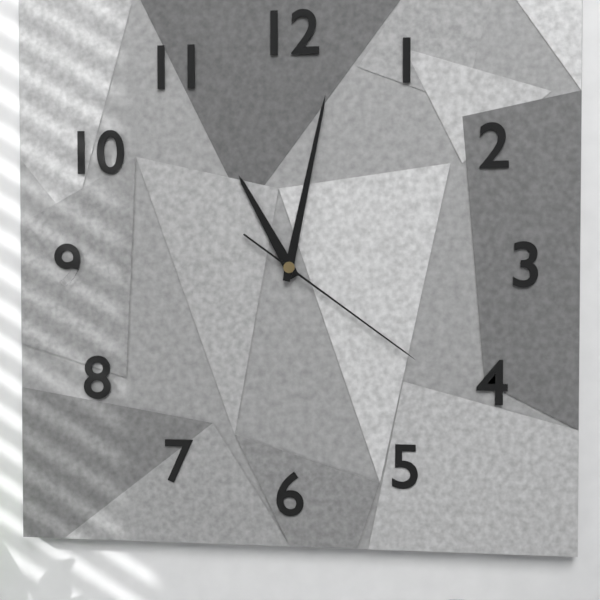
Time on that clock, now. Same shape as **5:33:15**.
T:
**11:02:21**
